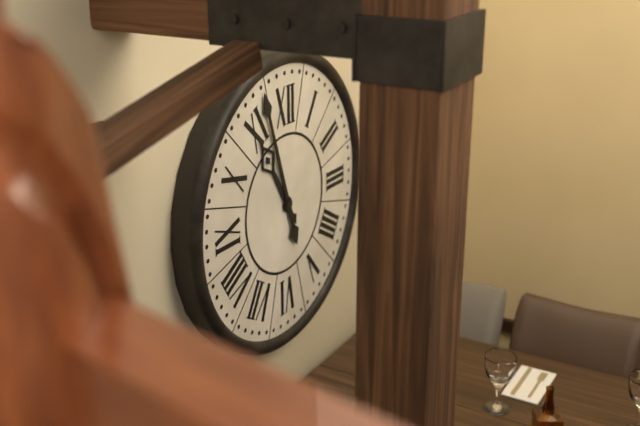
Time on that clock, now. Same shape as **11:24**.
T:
**10:57**
